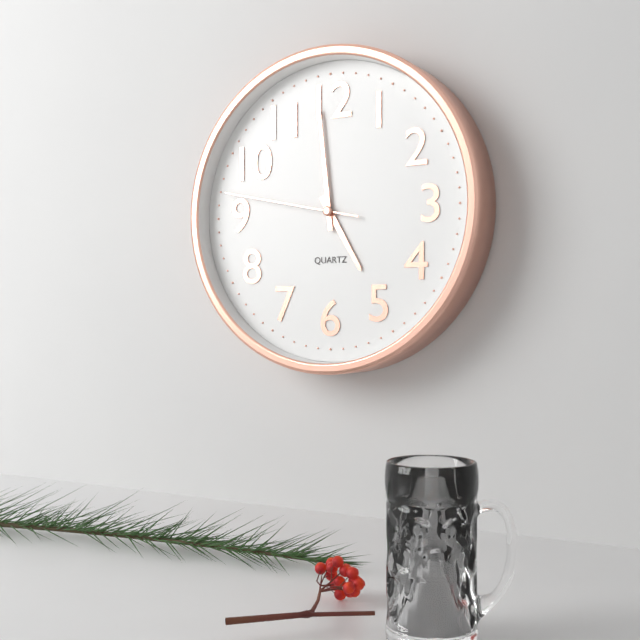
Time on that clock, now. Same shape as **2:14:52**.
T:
**4:59:47**
